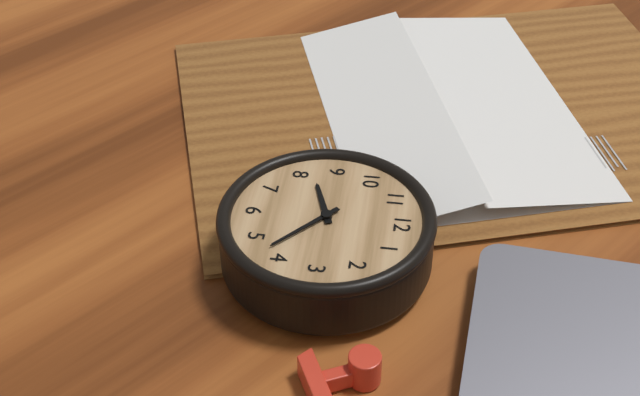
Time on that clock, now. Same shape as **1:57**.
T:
**8:22**
